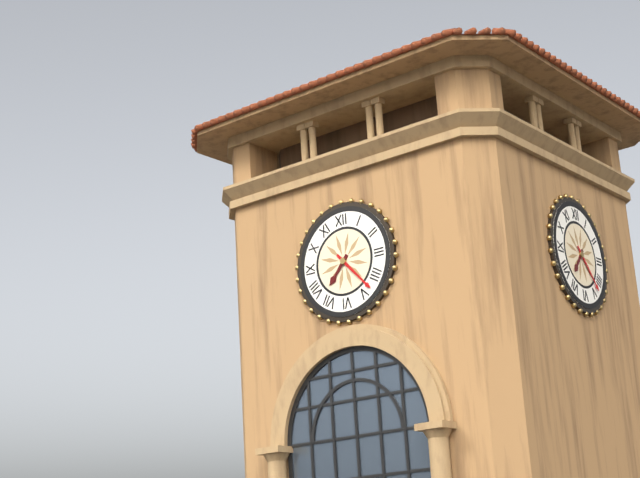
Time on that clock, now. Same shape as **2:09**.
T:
**7:23**
